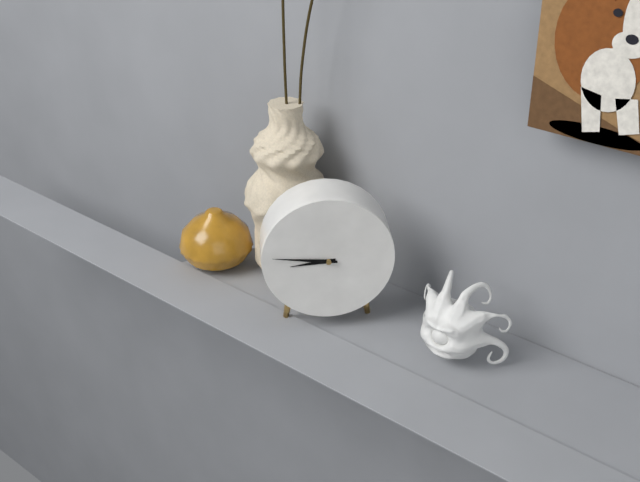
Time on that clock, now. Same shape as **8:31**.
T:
**8:46**
